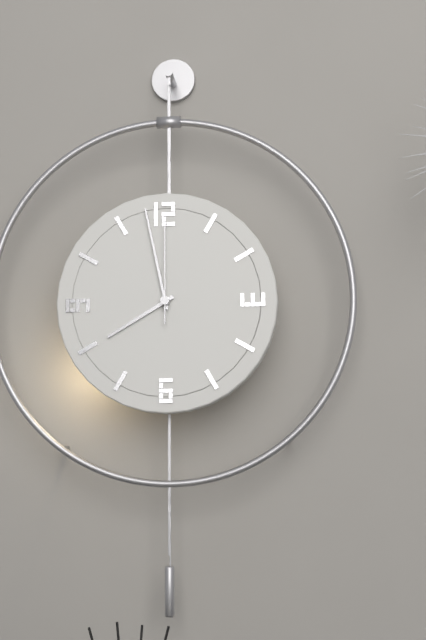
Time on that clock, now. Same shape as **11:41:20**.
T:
**7:58:00**
